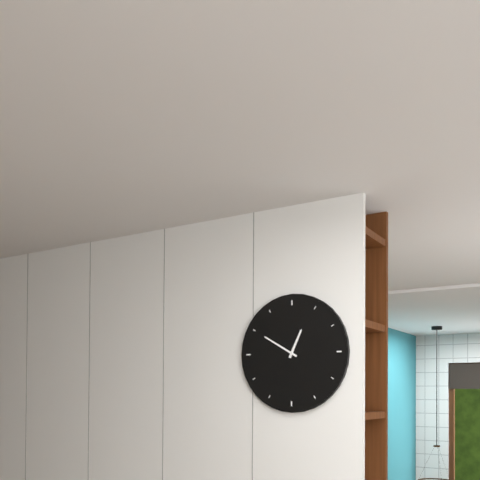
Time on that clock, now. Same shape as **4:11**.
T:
**12:50**
